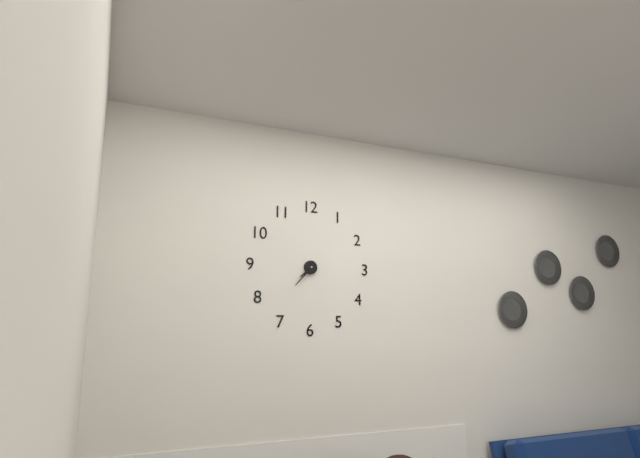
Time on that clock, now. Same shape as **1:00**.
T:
**7:37**
